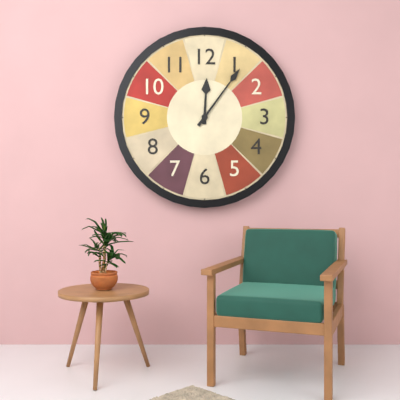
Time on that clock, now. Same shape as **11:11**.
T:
**12:06**
